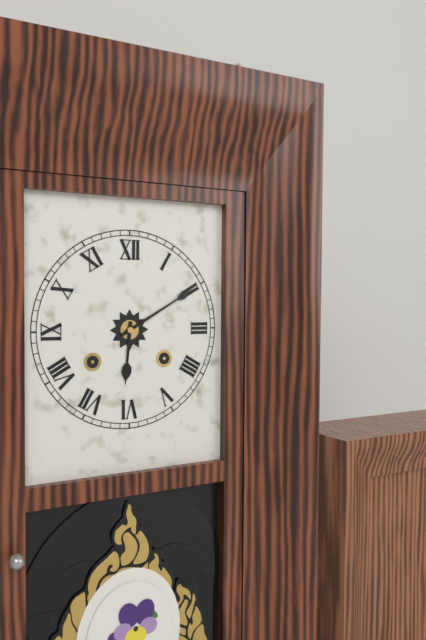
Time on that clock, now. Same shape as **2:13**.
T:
**6:10**
